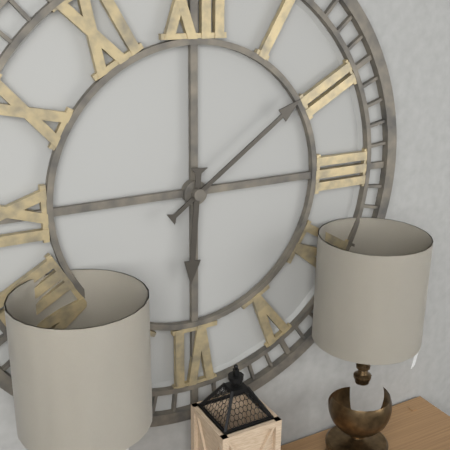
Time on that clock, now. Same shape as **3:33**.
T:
**6:09**
